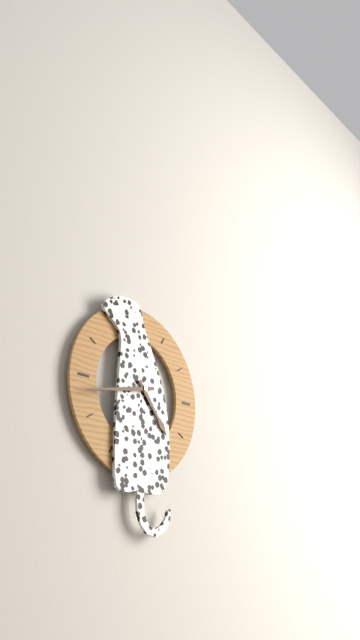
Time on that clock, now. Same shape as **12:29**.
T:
**4:43**
